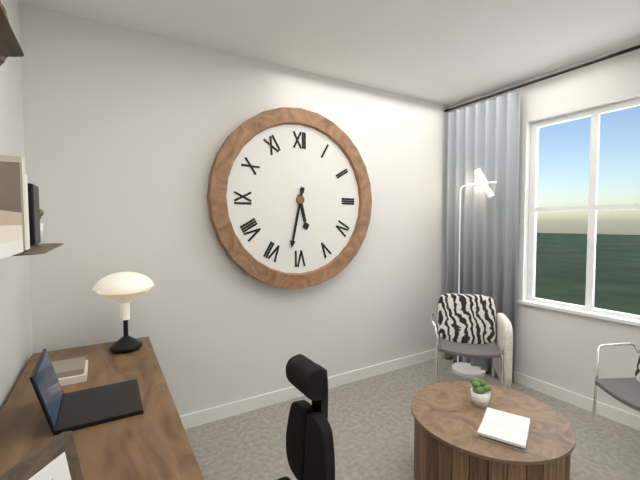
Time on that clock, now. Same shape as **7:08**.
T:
**5:32**
